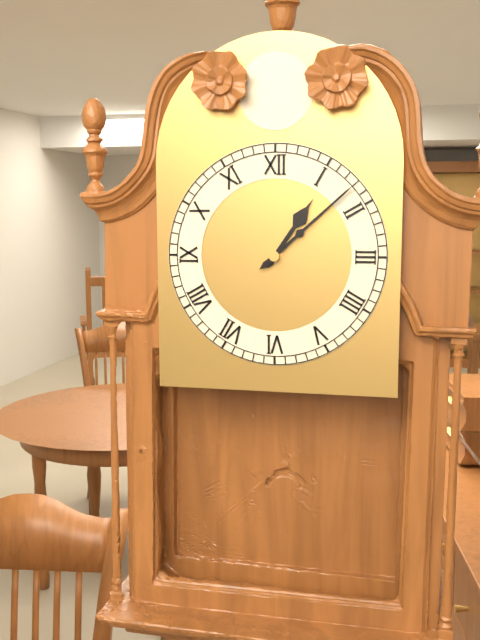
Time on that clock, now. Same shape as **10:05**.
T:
**1:08**
